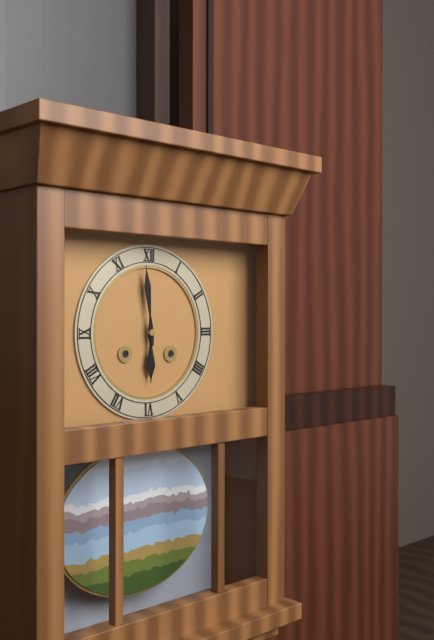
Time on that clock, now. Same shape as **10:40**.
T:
**5:59**
